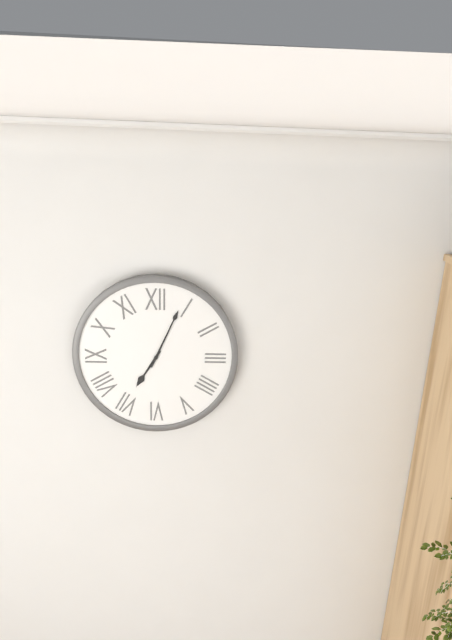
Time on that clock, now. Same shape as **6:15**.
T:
**7:04**
